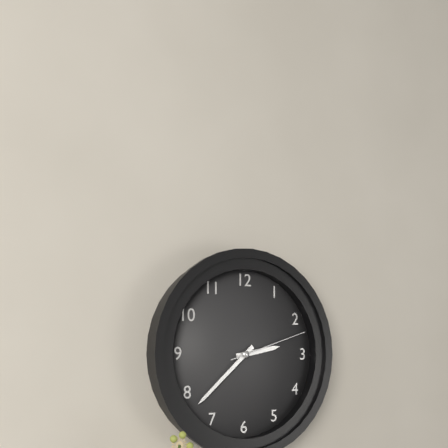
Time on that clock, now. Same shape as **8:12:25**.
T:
**2:38:12**
